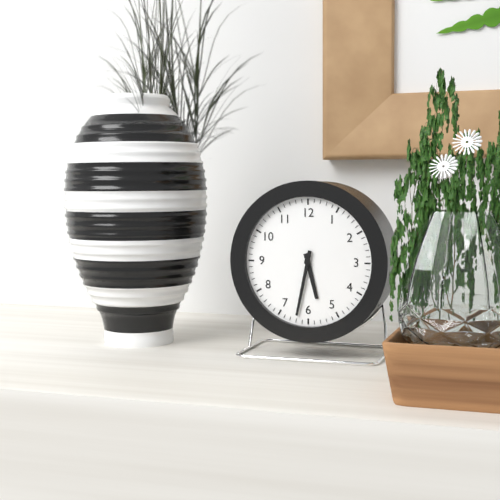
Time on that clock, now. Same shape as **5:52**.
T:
**5:32**
